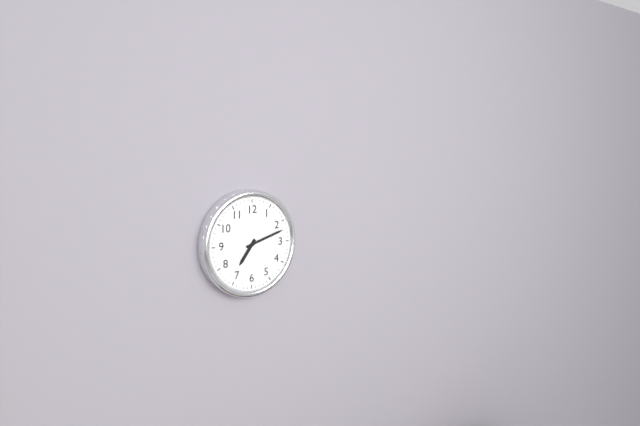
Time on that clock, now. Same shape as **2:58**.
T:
**7:12**
